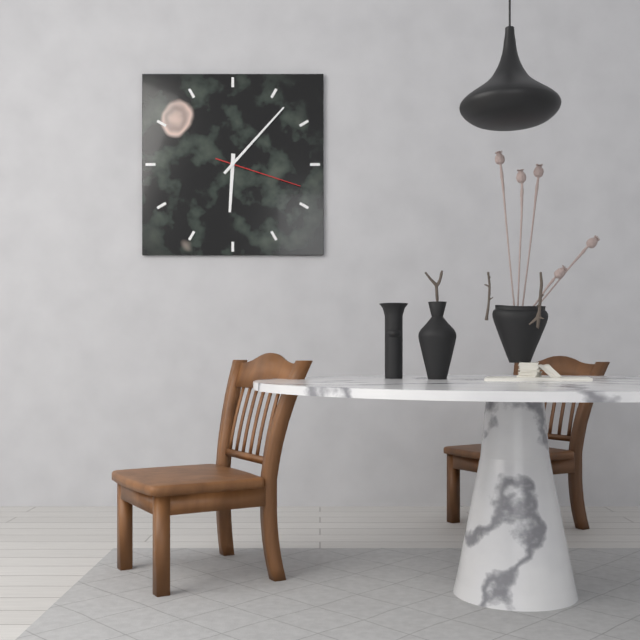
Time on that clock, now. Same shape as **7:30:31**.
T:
**6:07:18**
